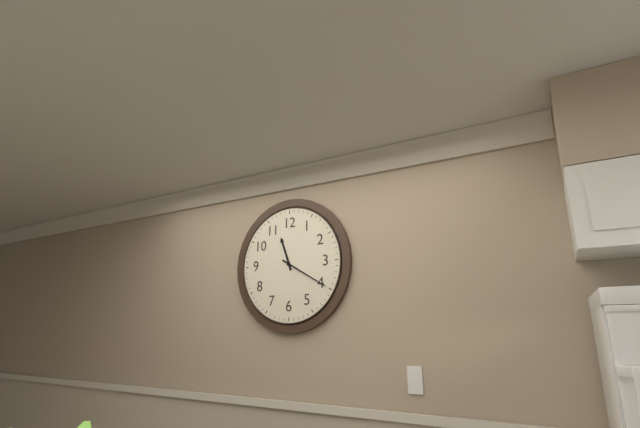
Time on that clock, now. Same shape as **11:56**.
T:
**11:20**
